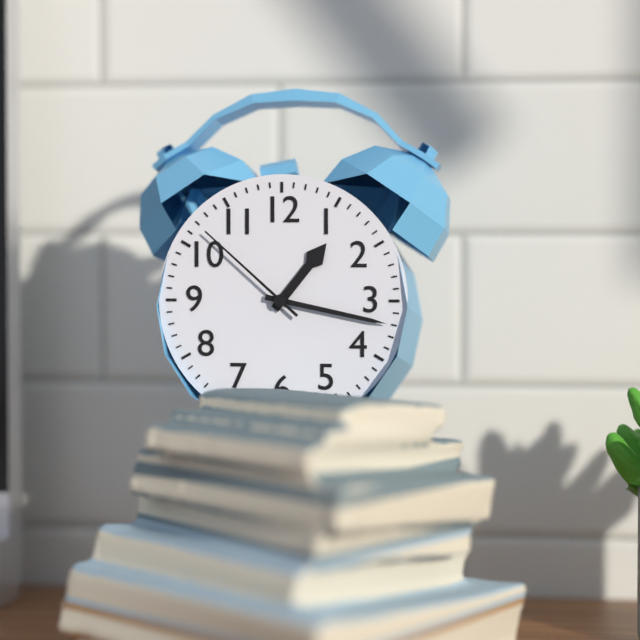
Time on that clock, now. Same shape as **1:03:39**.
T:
**1:17:52**
